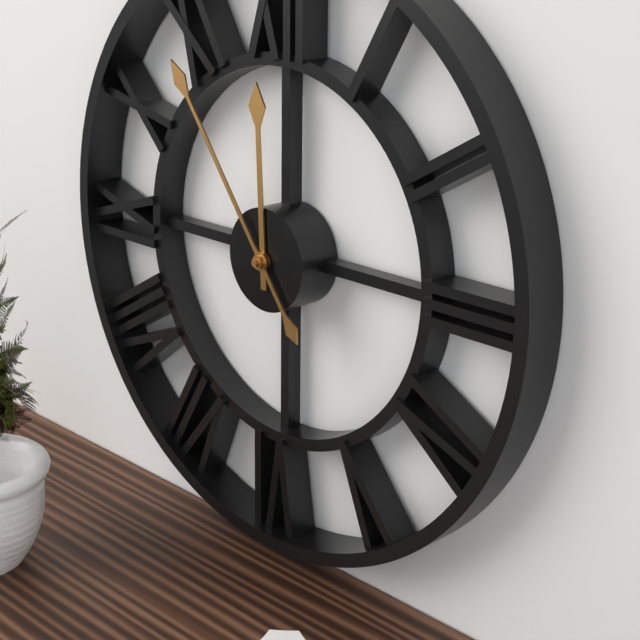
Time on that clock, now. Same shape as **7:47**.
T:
**11:54**
